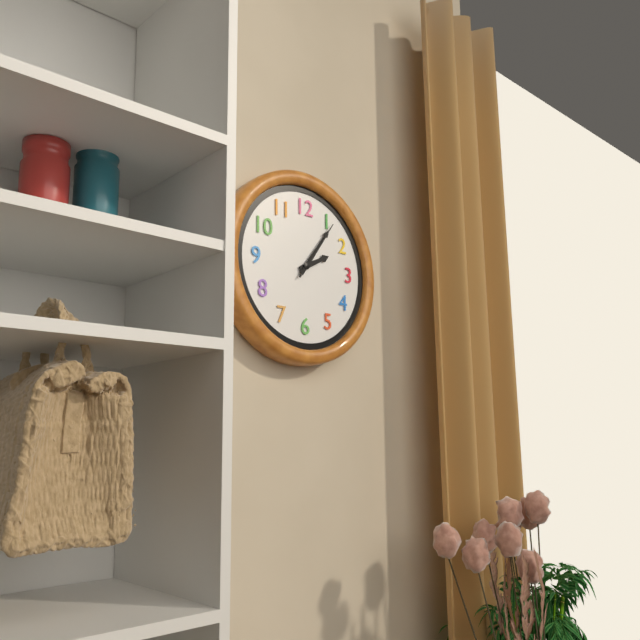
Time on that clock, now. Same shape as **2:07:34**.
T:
**2:06:06**
